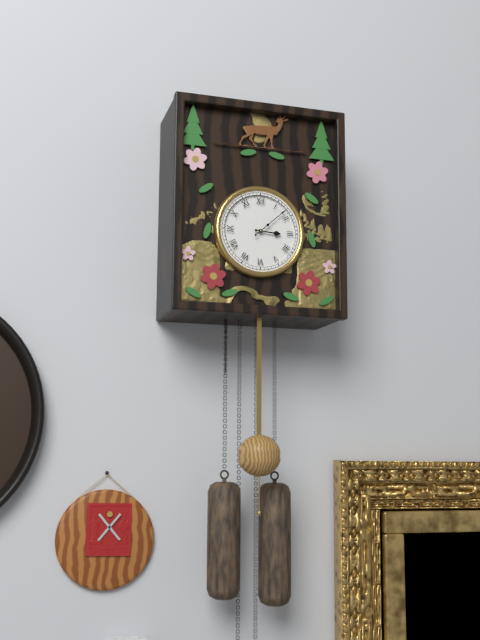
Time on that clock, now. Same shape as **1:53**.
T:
**3:08**
